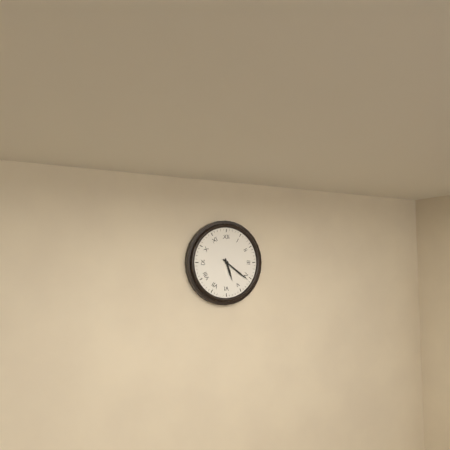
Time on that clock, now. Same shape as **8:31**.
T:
**5:21**
